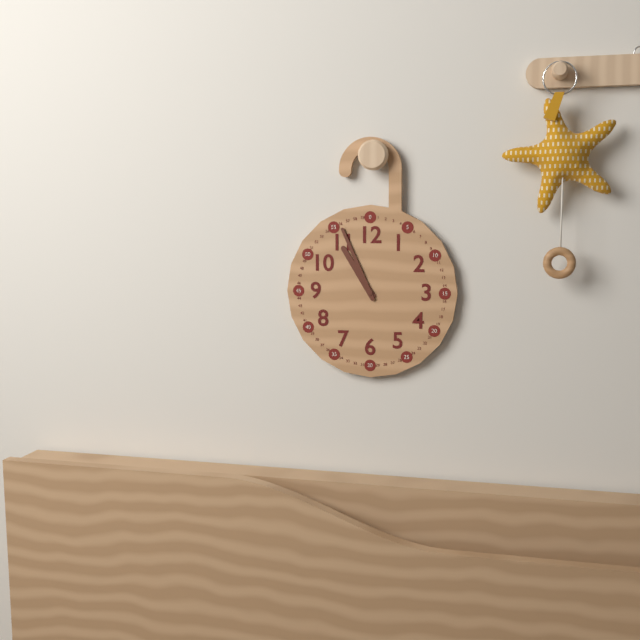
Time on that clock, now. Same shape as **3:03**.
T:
**10:56**
